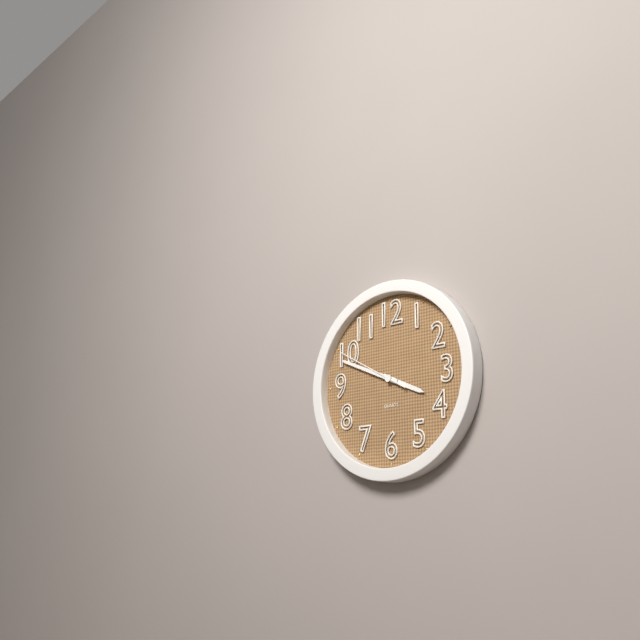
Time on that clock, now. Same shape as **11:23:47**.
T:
**3:49:50**
